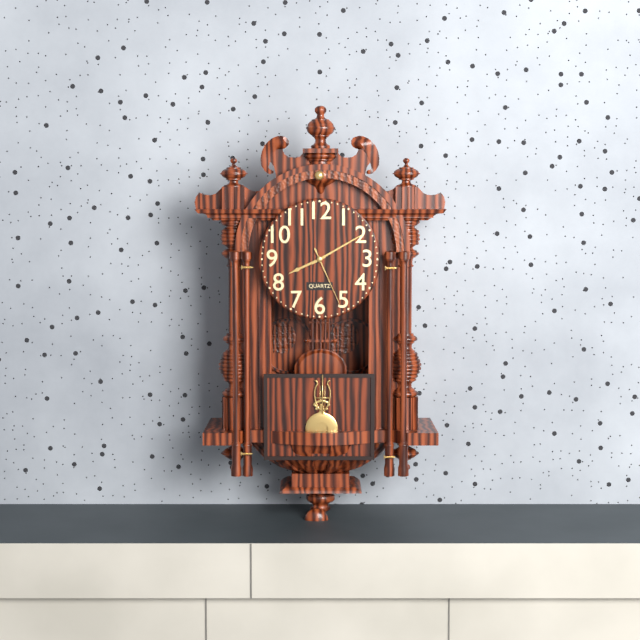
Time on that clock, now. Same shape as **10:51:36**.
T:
**8:10:26**
